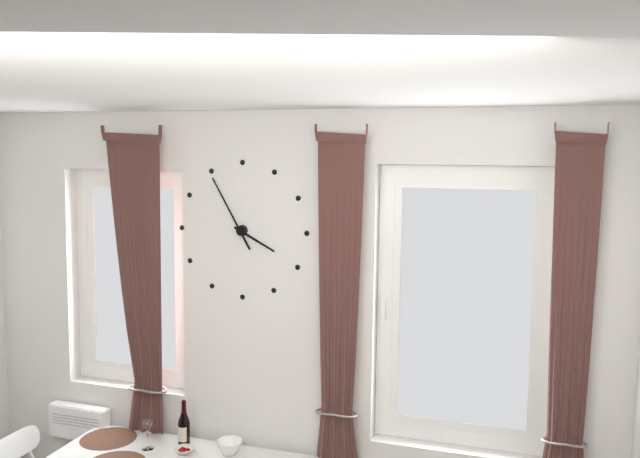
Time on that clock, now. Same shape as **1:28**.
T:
**3:55**
